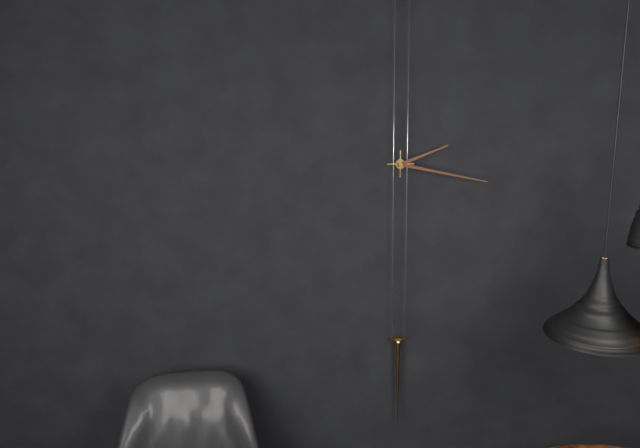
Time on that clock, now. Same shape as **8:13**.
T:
**2:17**
